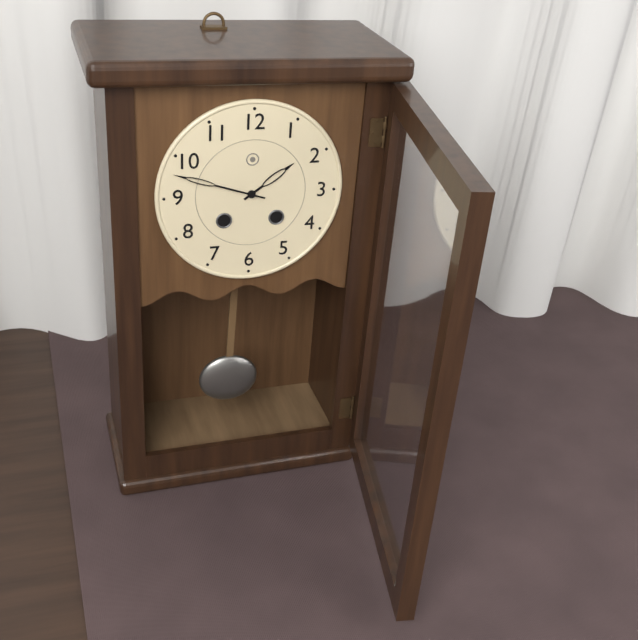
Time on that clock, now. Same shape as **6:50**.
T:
**1:48**
